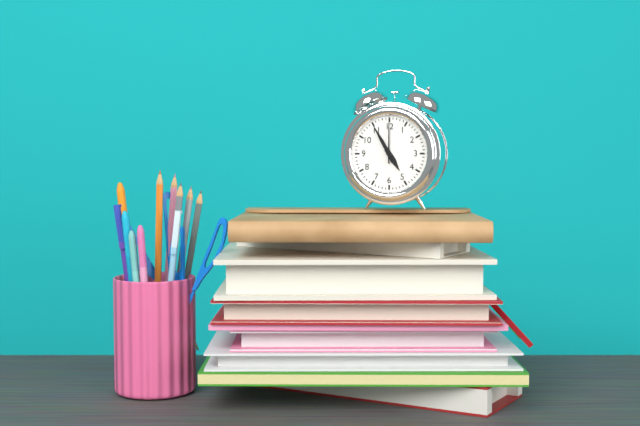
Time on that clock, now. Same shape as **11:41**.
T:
**4:55**
